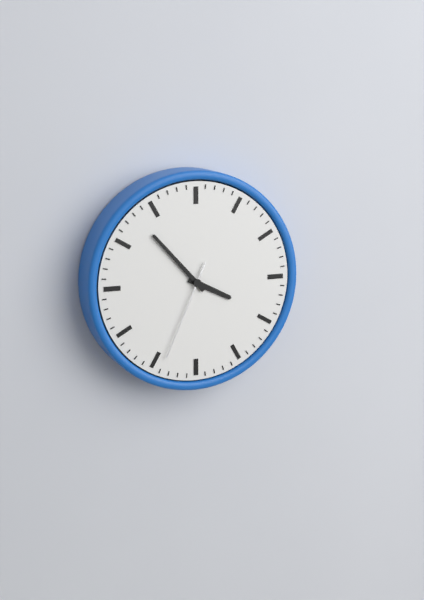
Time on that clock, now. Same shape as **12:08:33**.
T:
**3:53:34**
